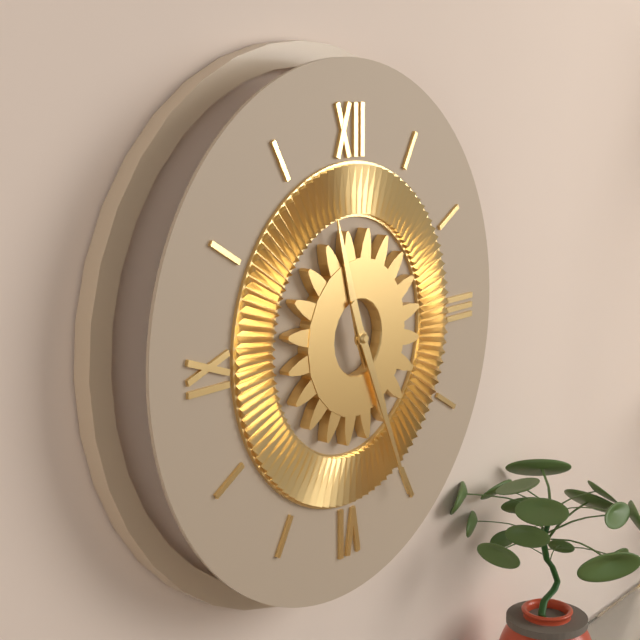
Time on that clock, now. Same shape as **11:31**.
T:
**11:26**
